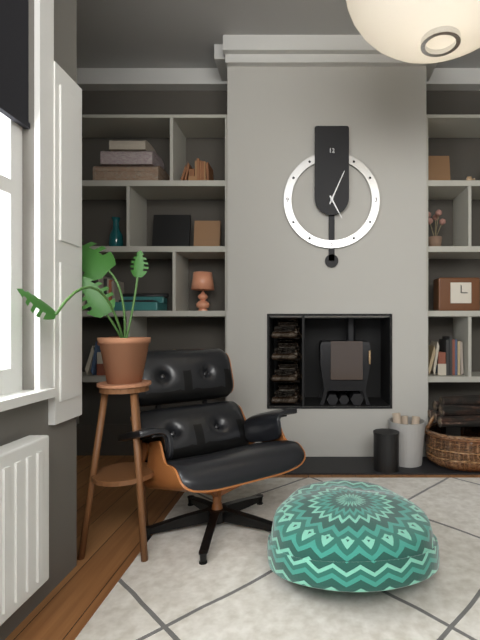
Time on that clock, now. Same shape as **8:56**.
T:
**5:04**
